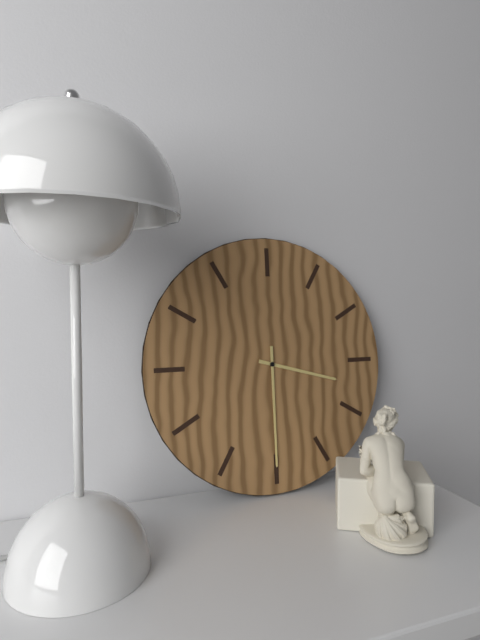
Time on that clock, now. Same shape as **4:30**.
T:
**3:30**
